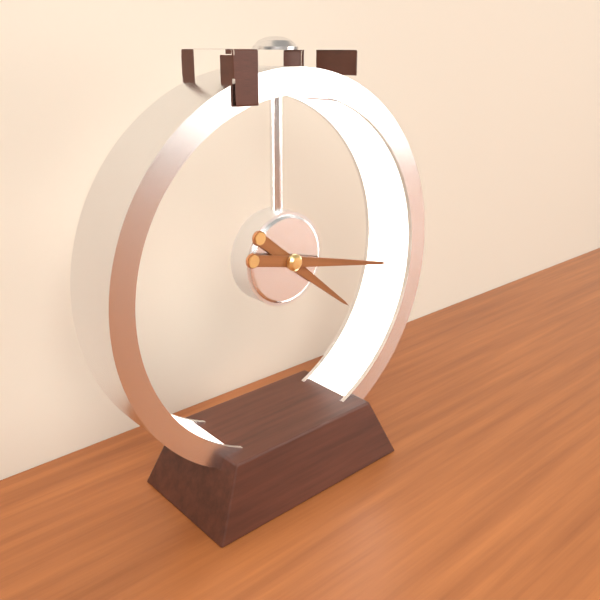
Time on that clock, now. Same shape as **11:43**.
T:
**4:17**
